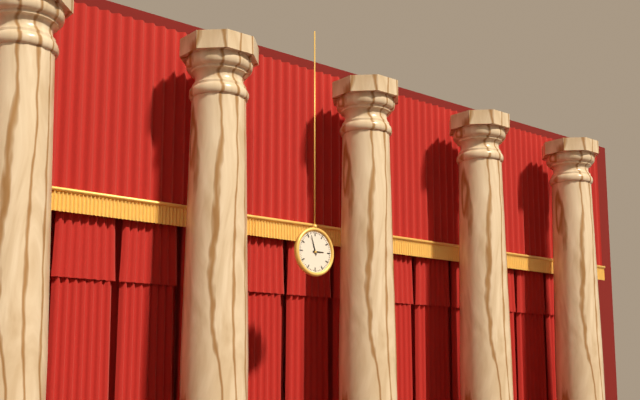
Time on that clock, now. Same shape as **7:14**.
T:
**2:57**
